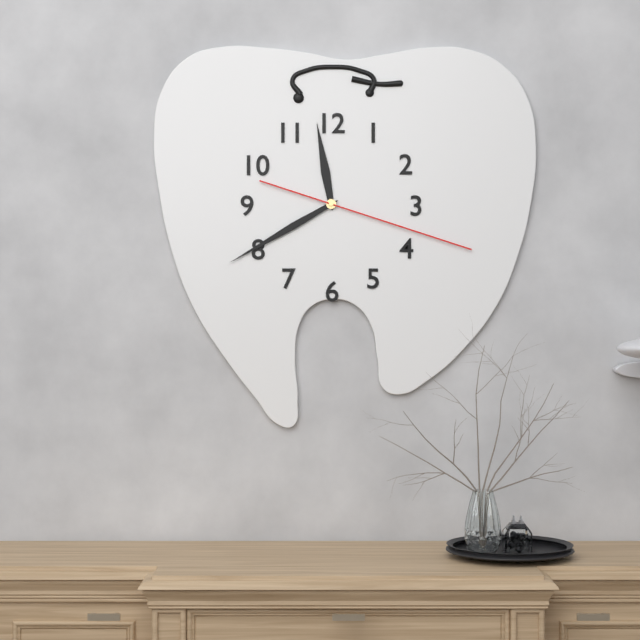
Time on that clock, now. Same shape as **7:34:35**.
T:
**11:40:18**
